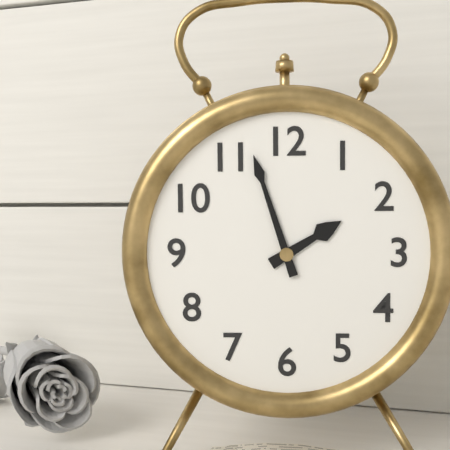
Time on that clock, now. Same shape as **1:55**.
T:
**1:57**
